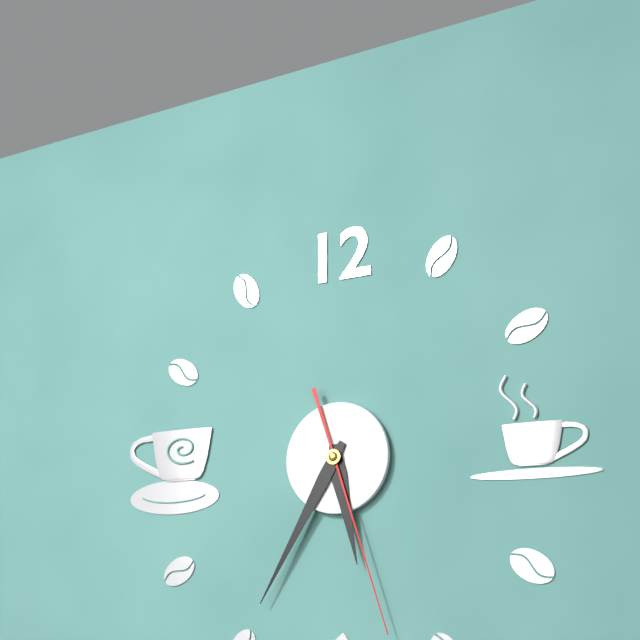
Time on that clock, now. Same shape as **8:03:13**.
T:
**5:35:27**
